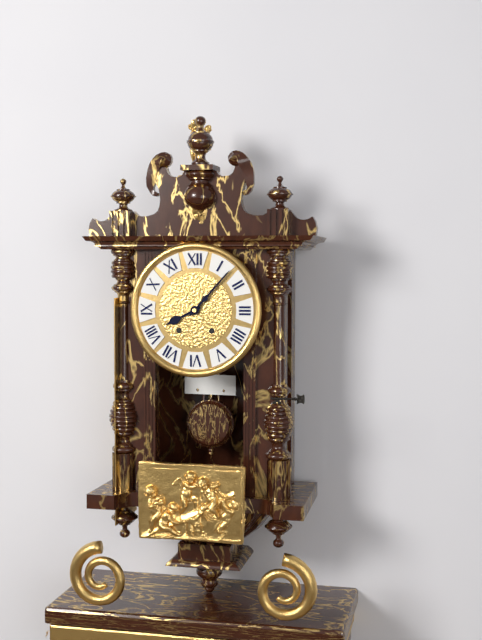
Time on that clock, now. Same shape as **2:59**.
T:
**8:07**
